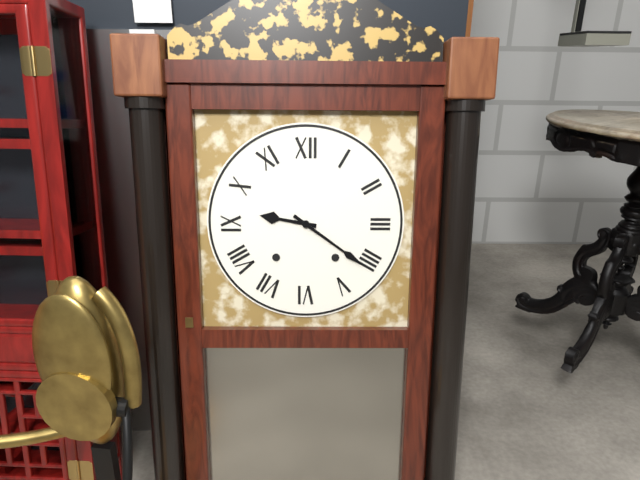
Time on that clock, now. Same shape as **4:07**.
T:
**9:21**
